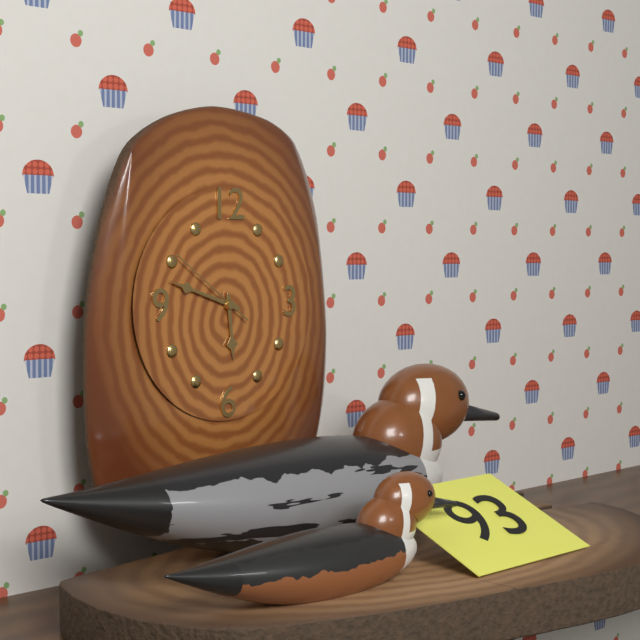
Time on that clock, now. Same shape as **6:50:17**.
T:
**5:48:51**
